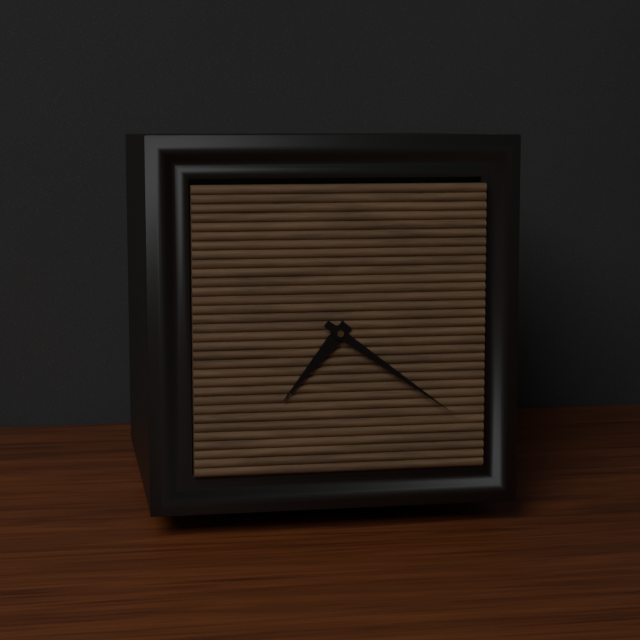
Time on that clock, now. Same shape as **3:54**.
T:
**7:21**
